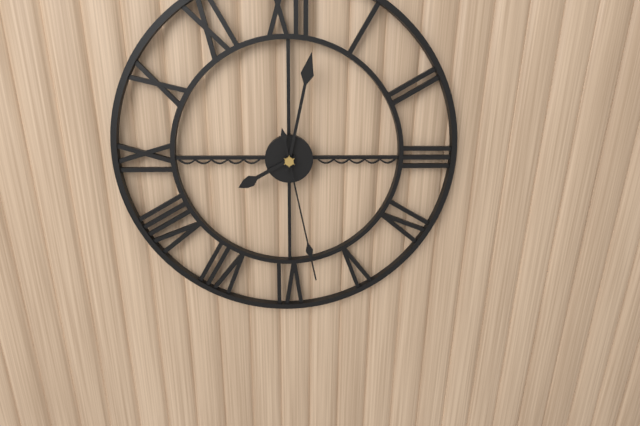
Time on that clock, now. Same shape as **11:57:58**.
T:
**8:02:28**
